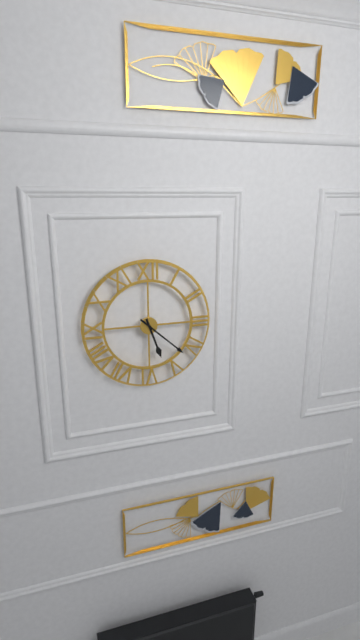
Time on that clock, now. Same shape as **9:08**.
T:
**5:22**
